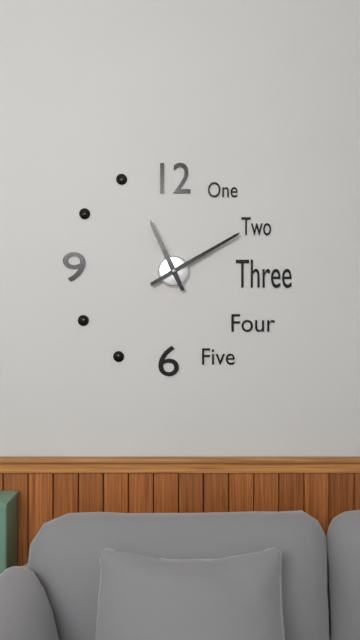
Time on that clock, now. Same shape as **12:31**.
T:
**11:10**
